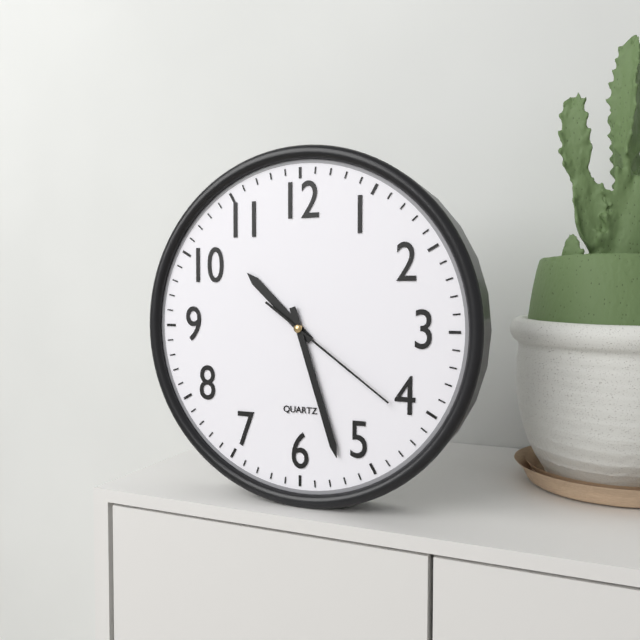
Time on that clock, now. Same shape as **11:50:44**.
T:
**10:27:21**
